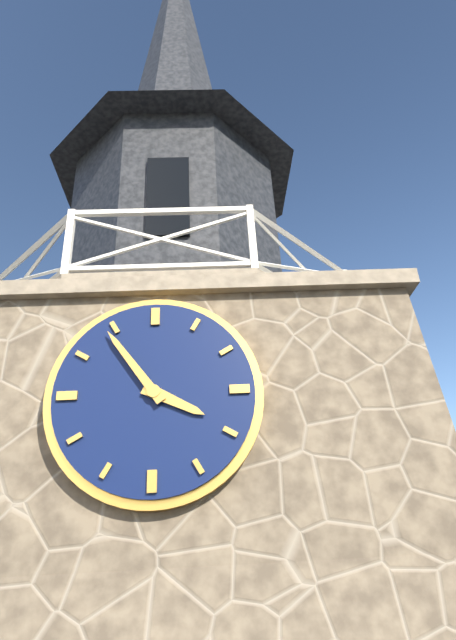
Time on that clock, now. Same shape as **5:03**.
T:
**3:54**
